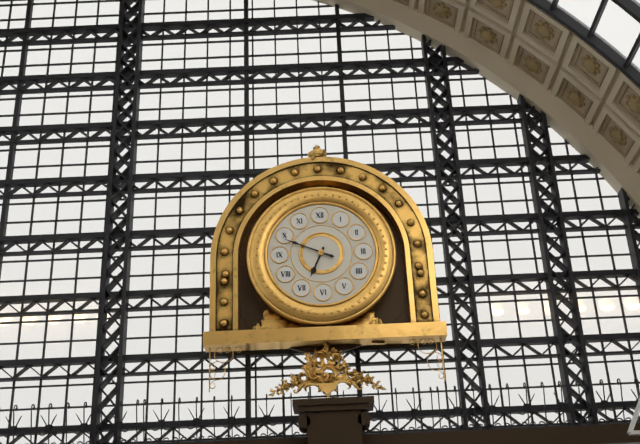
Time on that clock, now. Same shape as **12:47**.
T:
**6:49**
